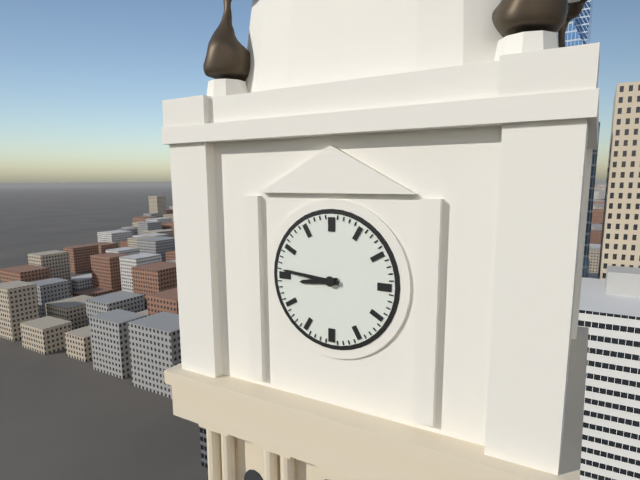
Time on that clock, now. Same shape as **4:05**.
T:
**8:46**
